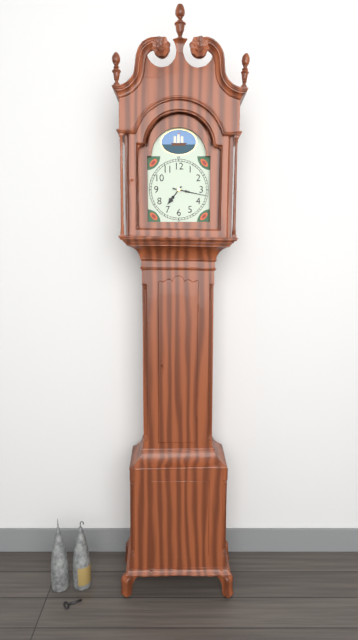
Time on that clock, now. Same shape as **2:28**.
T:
**7:17**
